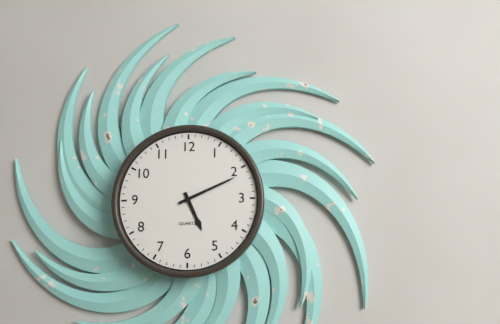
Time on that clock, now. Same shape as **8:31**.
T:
**5:11**
